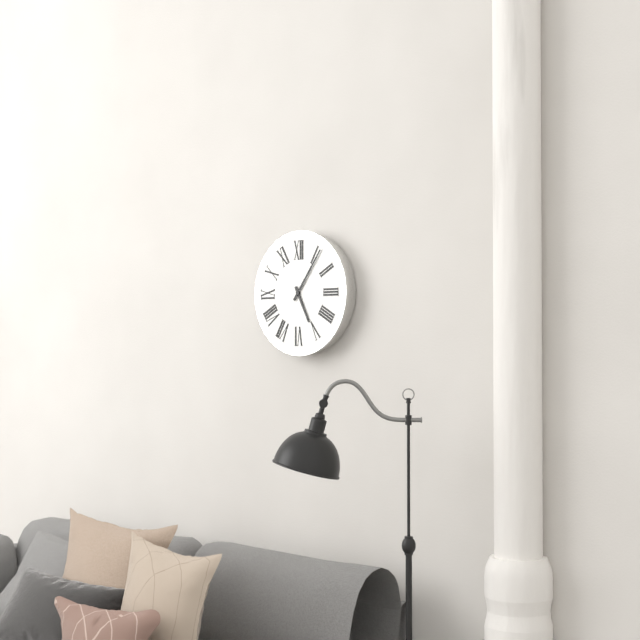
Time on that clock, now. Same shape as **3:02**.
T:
**5:06**
